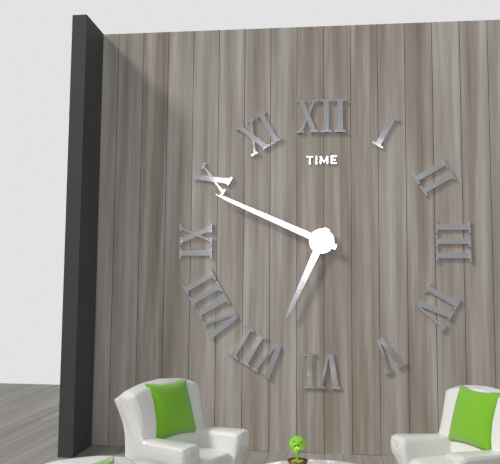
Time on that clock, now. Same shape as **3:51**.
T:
**6:49**
